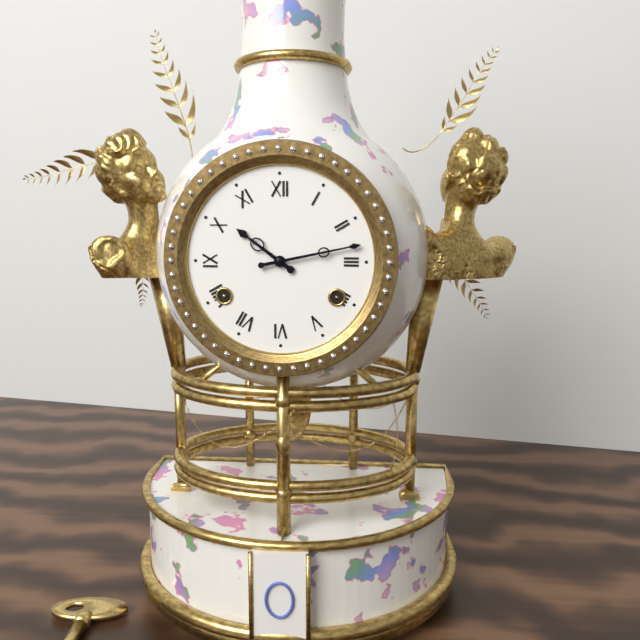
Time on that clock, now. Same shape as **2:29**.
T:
**10:13**
